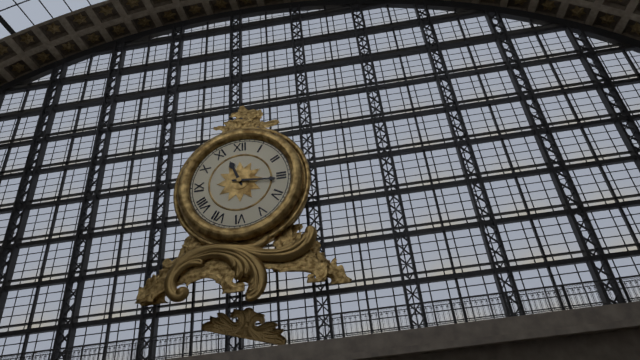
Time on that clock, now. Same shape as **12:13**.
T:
**11:16**
